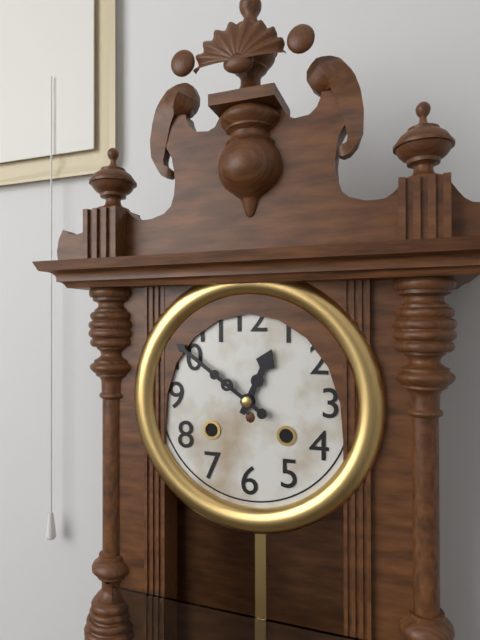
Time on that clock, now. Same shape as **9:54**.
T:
**12:51**
